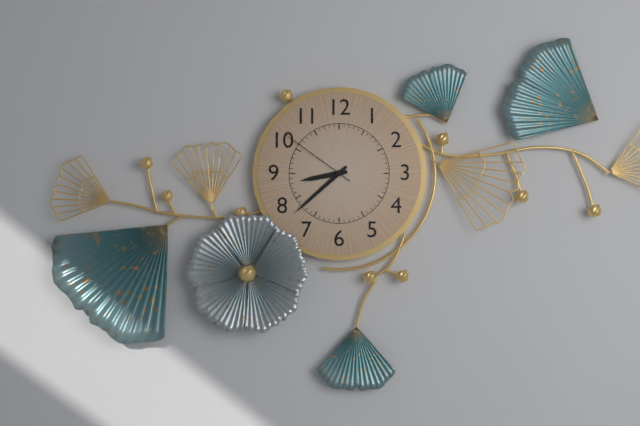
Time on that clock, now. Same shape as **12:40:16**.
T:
**8:38:51**
